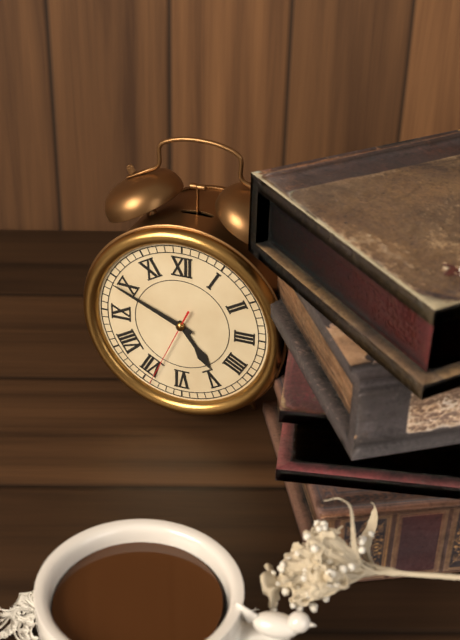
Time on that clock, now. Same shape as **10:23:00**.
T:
**4:49:34**
